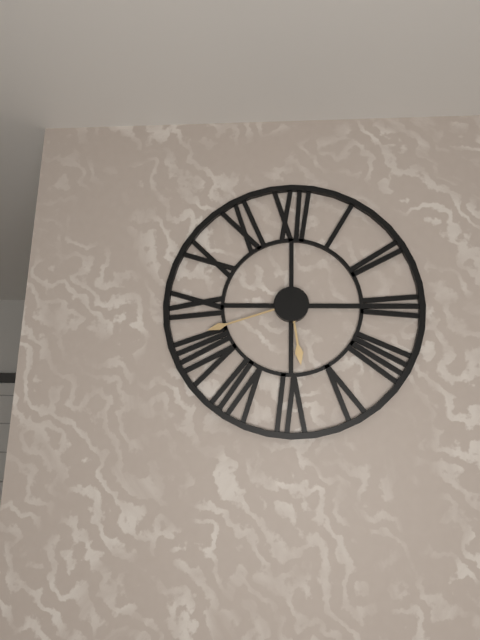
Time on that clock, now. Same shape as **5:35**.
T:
**5:42**
